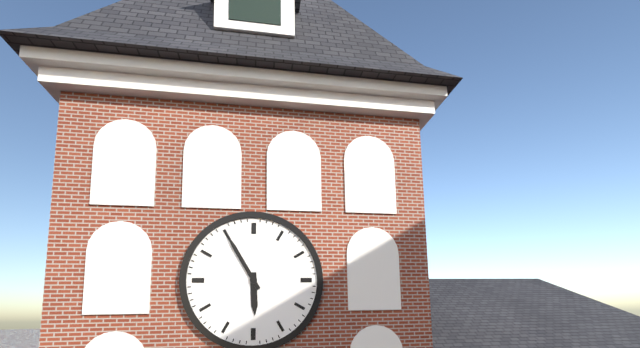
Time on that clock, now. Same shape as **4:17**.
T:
**5:55**
